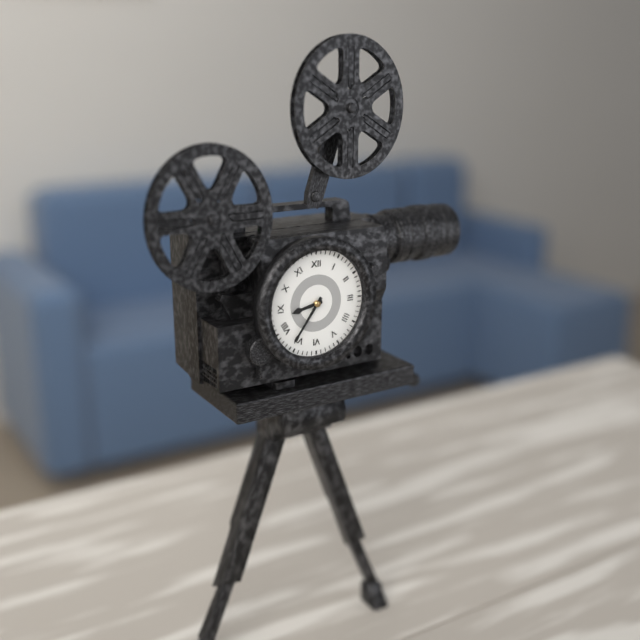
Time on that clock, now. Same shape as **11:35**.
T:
**8:36**
